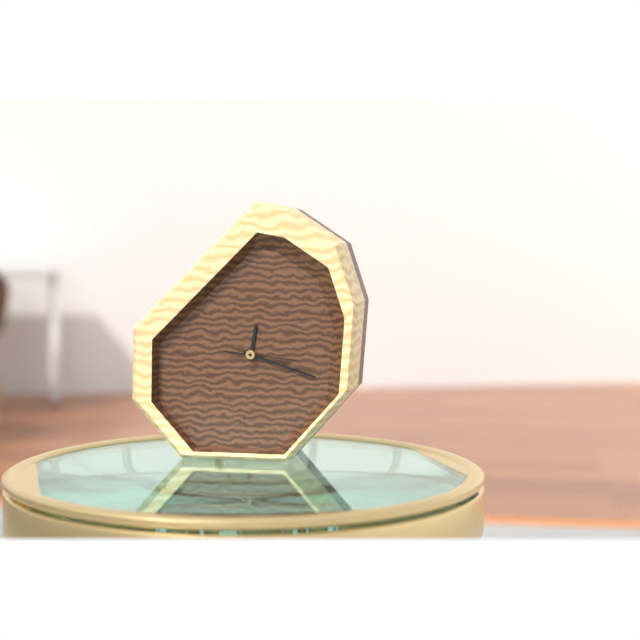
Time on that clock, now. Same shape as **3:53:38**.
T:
**12:18:16**
